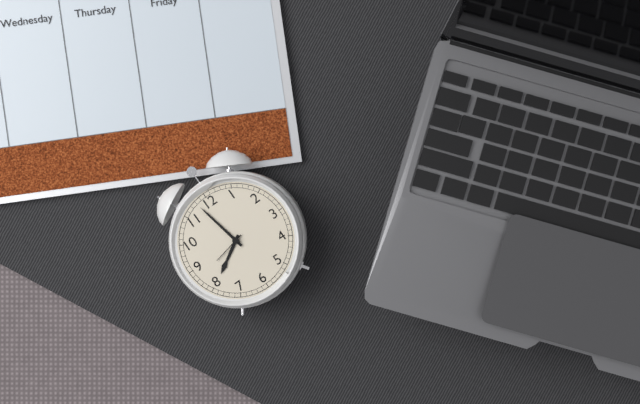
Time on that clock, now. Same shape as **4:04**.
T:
**7:58**
